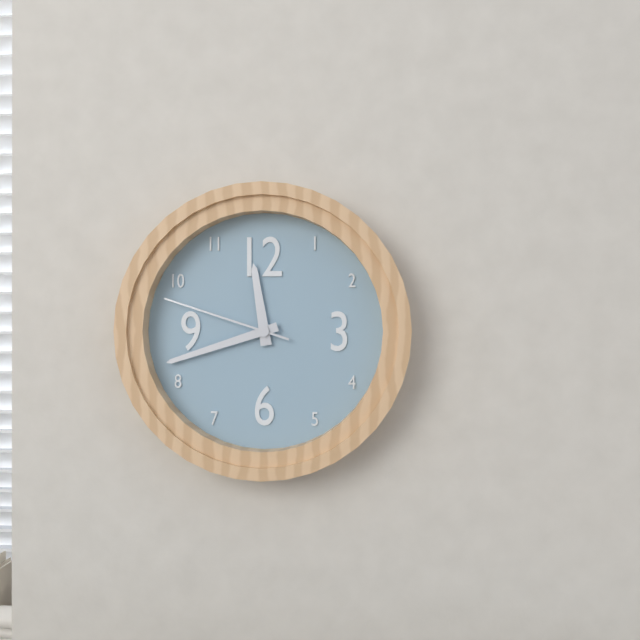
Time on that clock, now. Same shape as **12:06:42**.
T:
**11:42:48**
